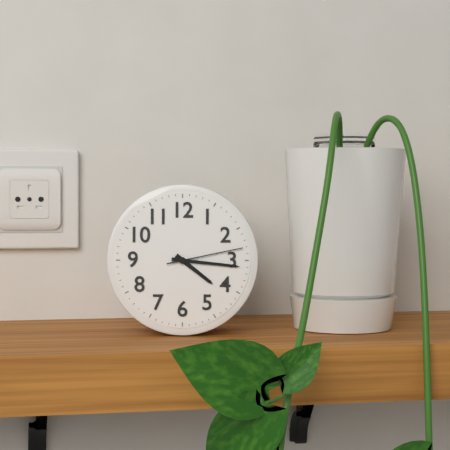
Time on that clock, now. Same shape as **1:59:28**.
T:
**4:16:13**
